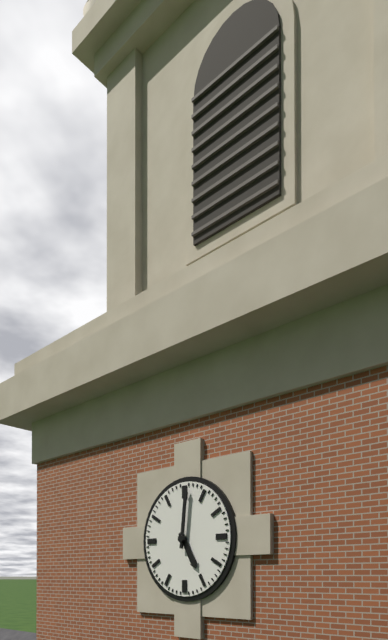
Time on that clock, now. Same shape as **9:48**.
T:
**5:01**
